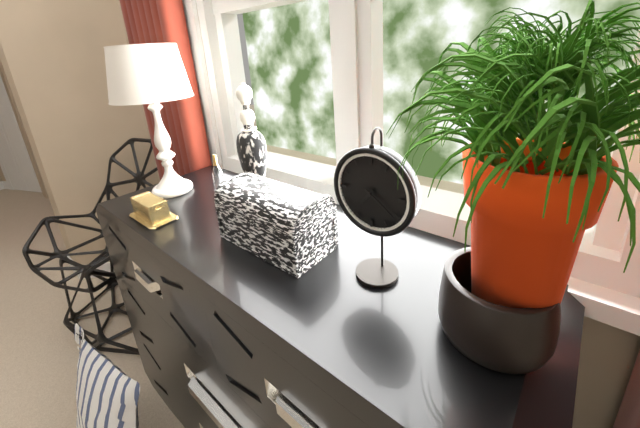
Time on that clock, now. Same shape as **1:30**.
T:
**7:21**
